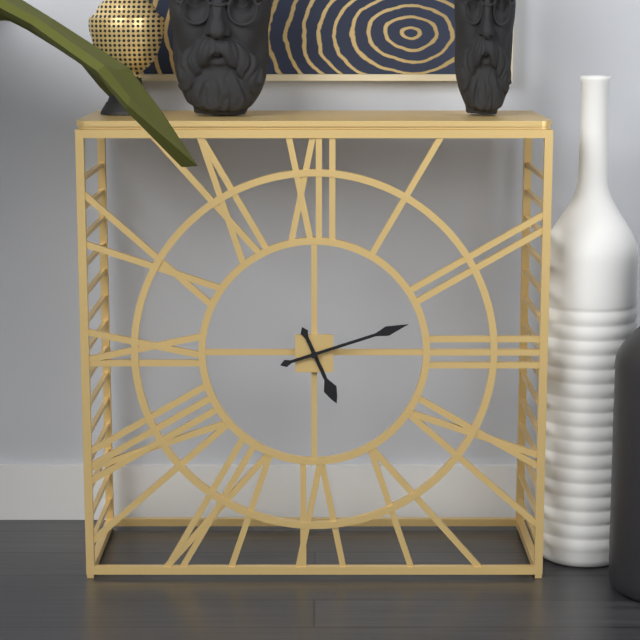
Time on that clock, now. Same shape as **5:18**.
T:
**5:12**
